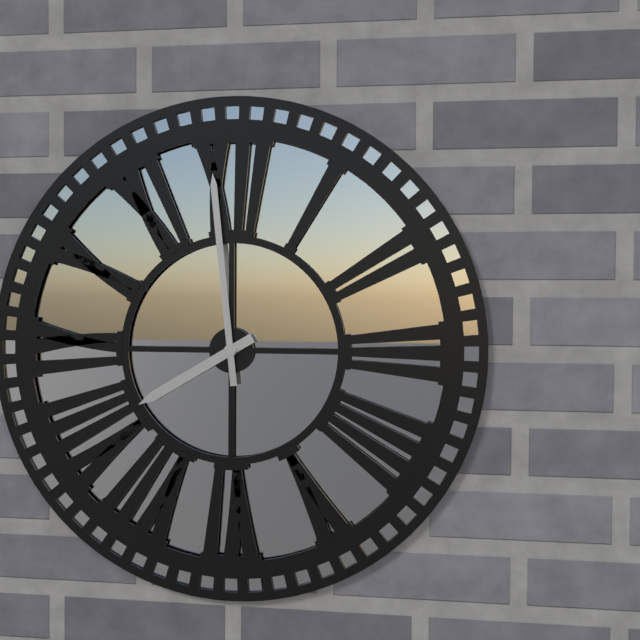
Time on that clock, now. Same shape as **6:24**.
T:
**7:59**
